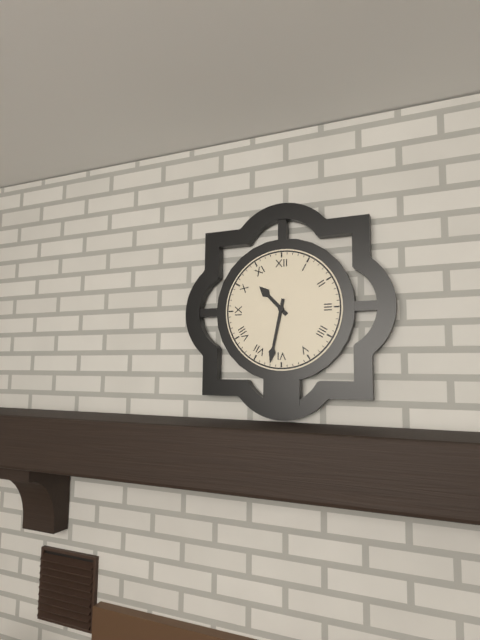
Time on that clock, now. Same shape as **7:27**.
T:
**10:32**
